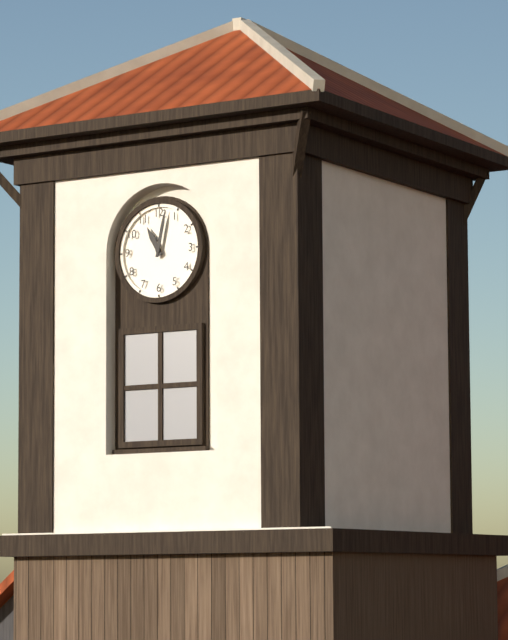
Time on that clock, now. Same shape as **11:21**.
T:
**11:02**
